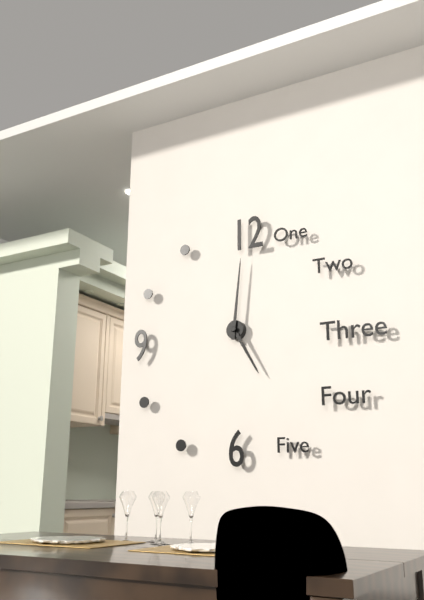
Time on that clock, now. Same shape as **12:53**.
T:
**5:01**
